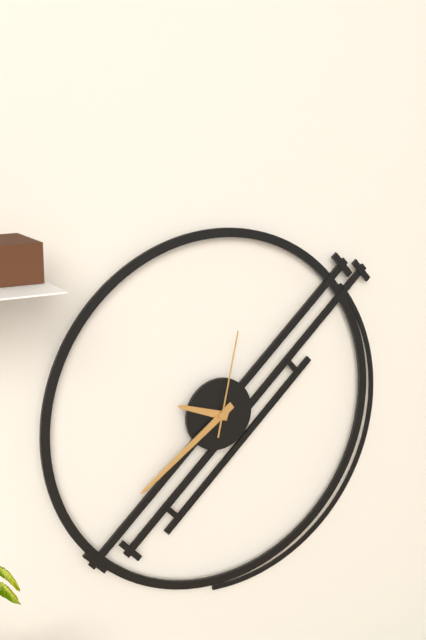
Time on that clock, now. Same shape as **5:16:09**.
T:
**9:39:02**
